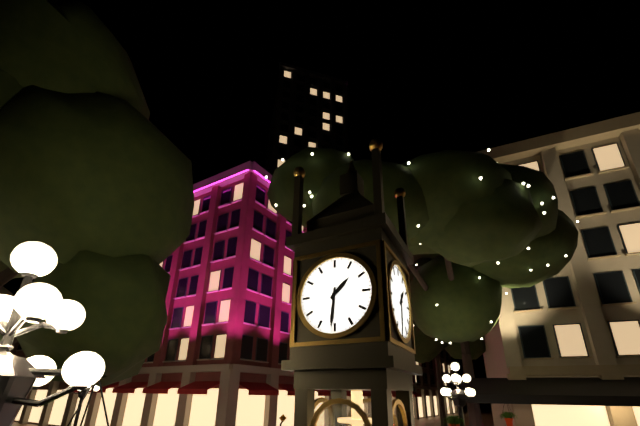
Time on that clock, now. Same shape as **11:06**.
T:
**1:31**
